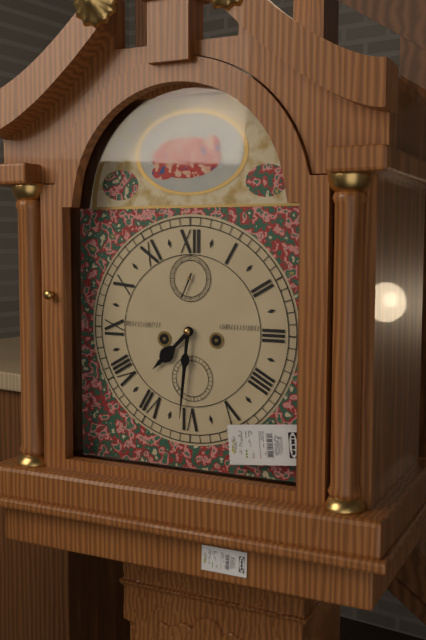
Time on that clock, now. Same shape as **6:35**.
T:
**7:31**
